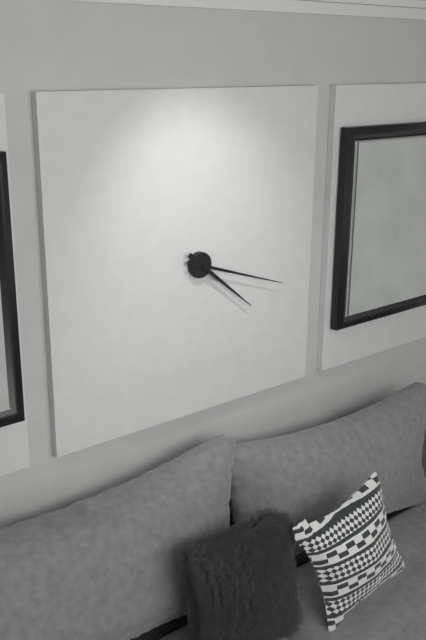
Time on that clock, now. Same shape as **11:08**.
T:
**4:18**
